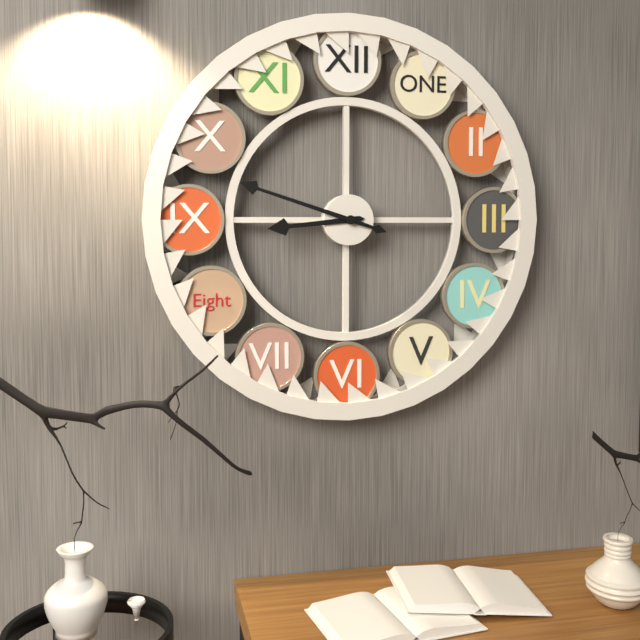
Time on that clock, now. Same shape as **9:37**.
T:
**8:48**
